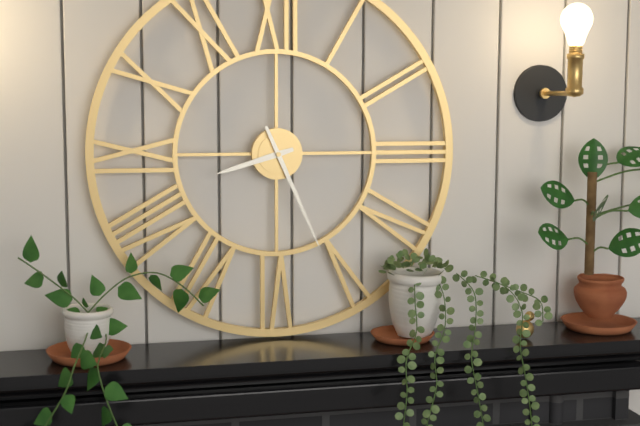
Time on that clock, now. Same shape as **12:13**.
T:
**8:26**
